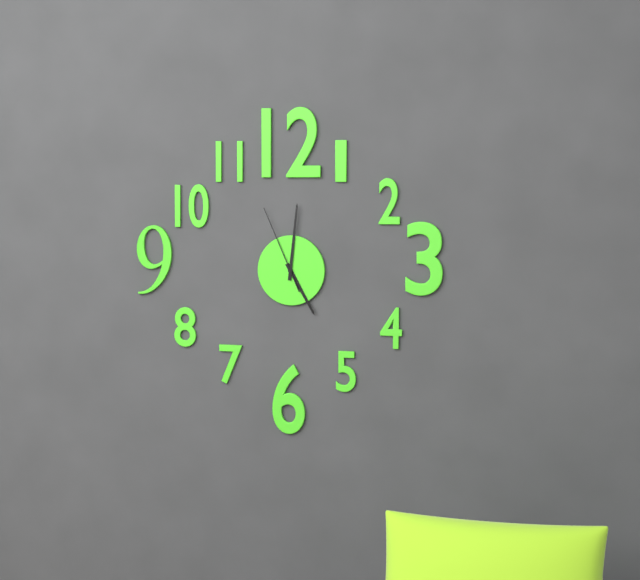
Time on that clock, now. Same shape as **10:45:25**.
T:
**5:01:56**
